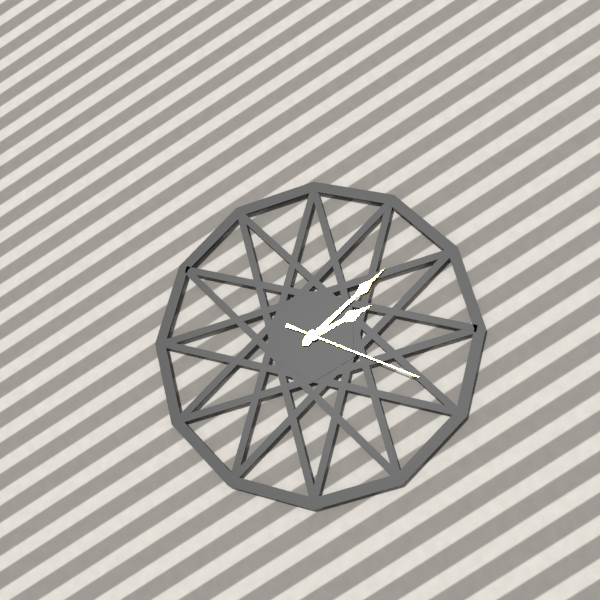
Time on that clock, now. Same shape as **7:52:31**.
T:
**2:08:19**
